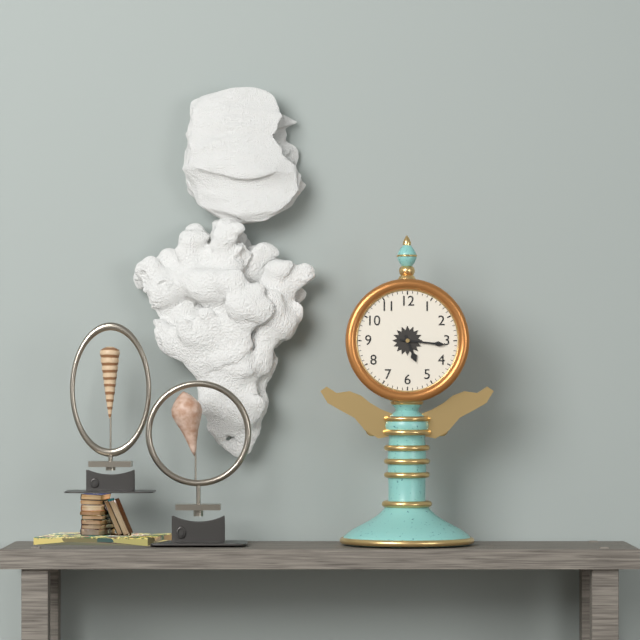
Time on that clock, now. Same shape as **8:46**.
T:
**5:16**
